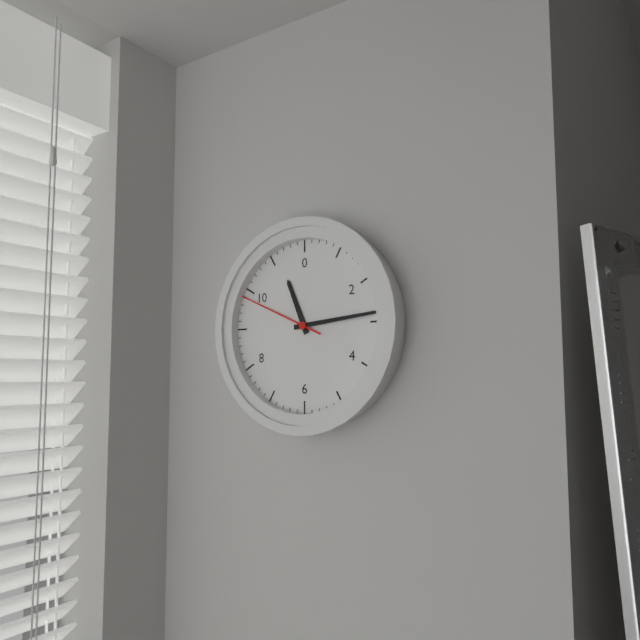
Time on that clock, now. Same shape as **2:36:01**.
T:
**11:14:49**
